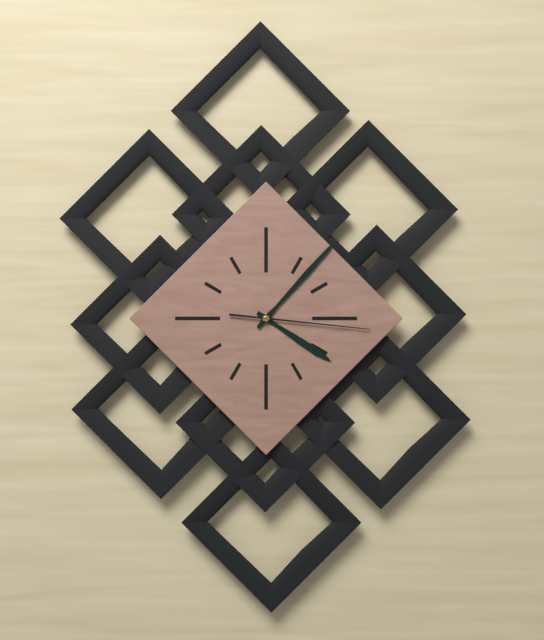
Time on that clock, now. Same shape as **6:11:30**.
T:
**4:07:16**
